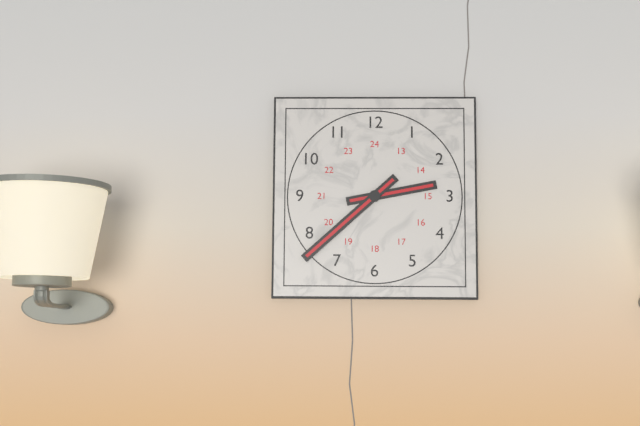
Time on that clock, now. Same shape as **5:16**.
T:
**2:38**
